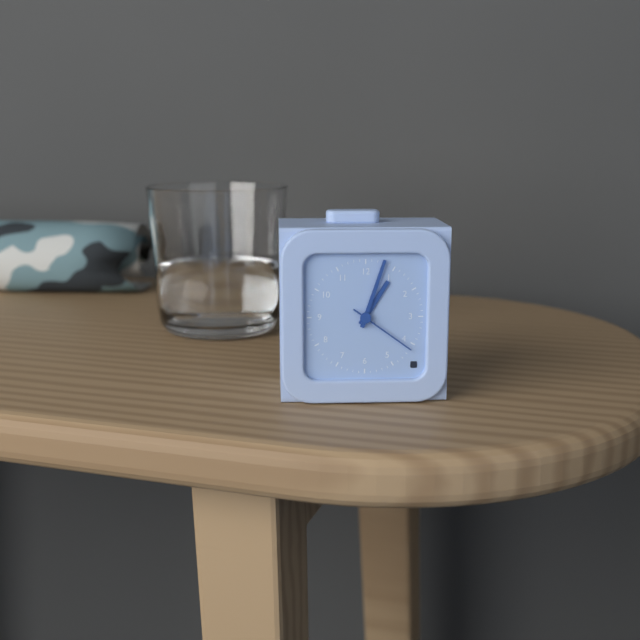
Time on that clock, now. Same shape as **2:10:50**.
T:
**1:03:21**
